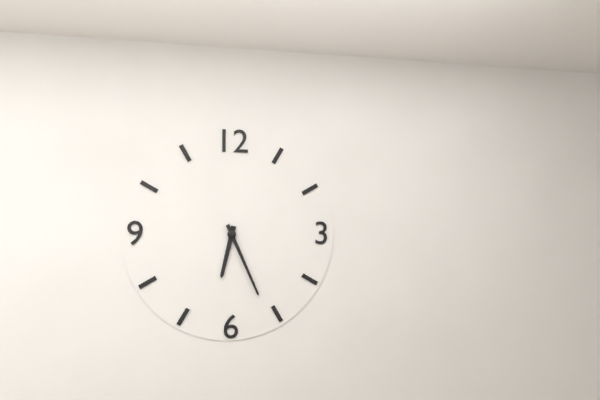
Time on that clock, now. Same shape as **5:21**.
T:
**6:26**
